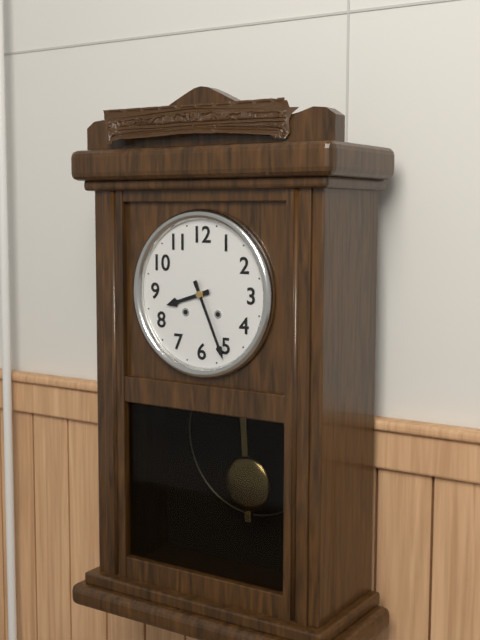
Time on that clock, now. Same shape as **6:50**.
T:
**8:26**
